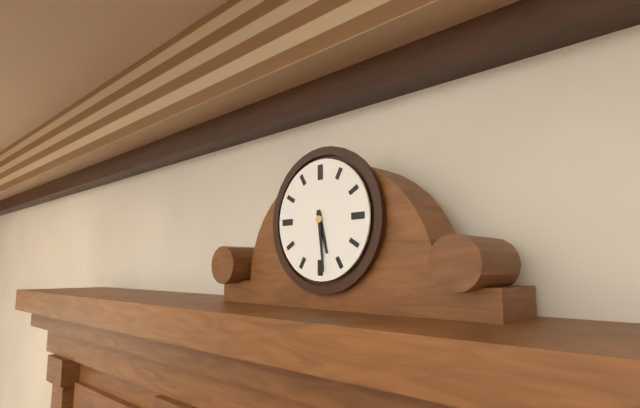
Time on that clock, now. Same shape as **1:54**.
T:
**5:29**
